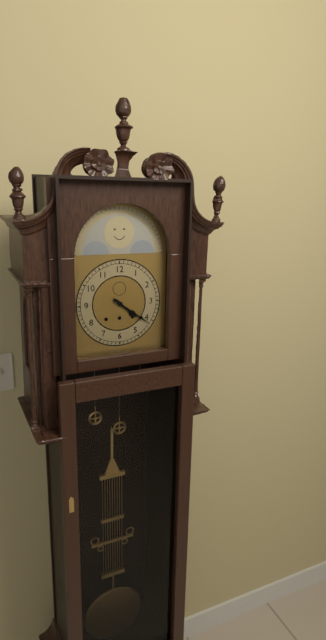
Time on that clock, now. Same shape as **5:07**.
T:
**4:21**
